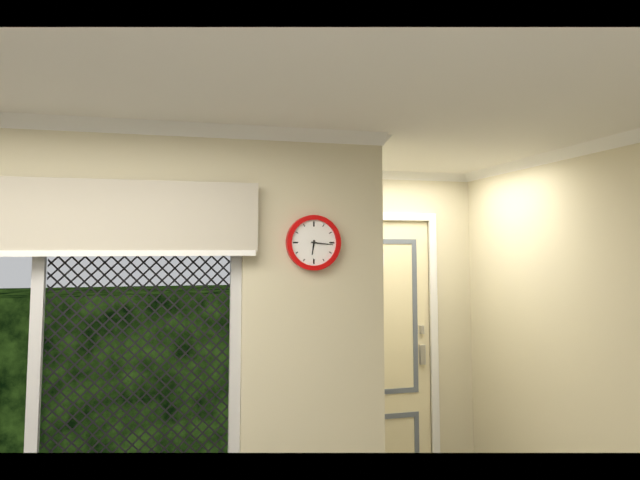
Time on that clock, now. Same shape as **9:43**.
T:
**6:16**
